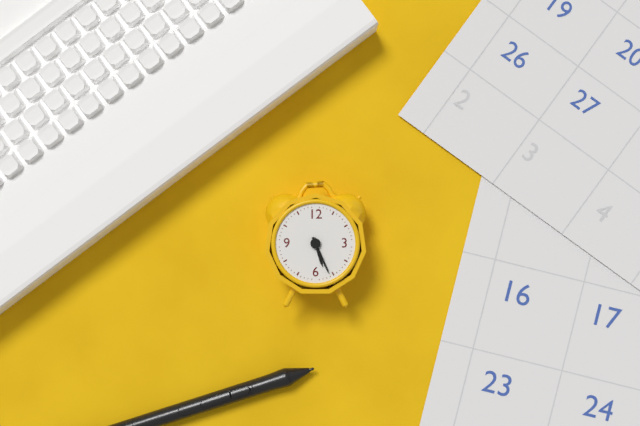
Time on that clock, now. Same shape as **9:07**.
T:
**5:26**
